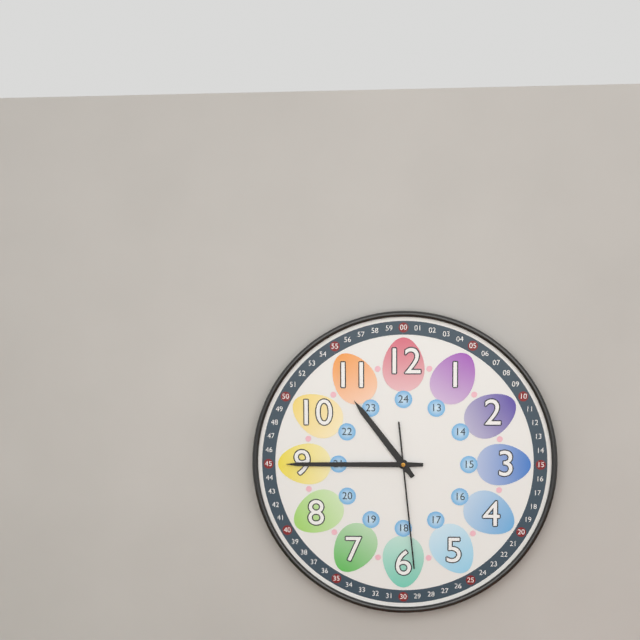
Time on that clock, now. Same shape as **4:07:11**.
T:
**10:45:29**
